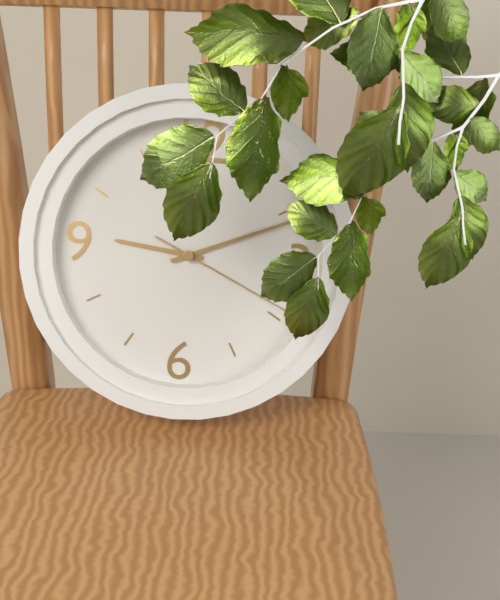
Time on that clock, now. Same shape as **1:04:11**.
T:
**9:11:19**
